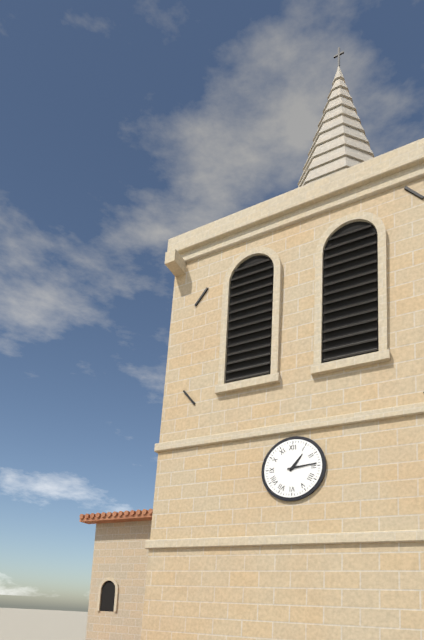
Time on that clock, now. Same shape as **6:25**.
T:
**1:14**
